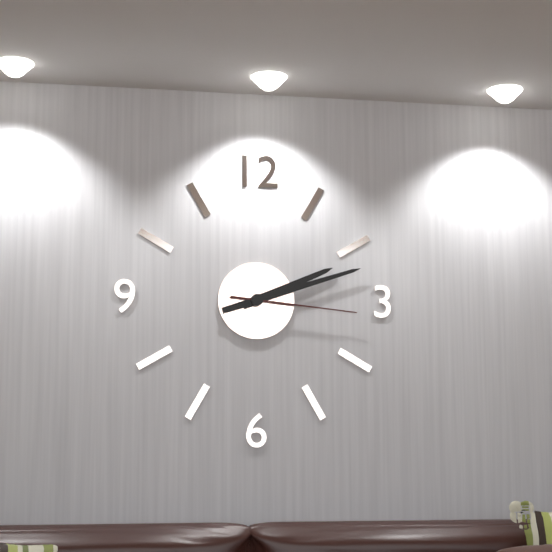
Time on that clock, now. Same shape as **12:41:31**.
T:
**2:12:16**
